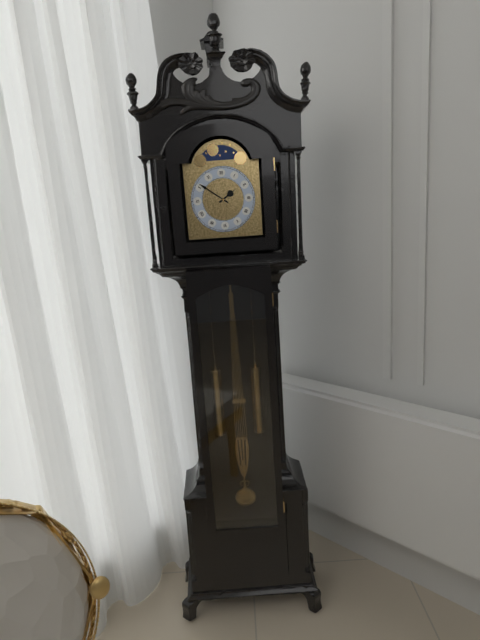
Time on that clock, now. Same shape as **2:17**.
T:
**1:51**
